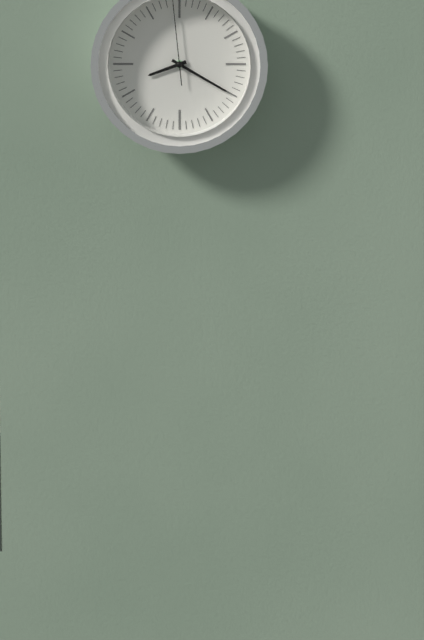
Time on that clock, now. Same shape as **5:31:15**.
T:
**8:20:59**
